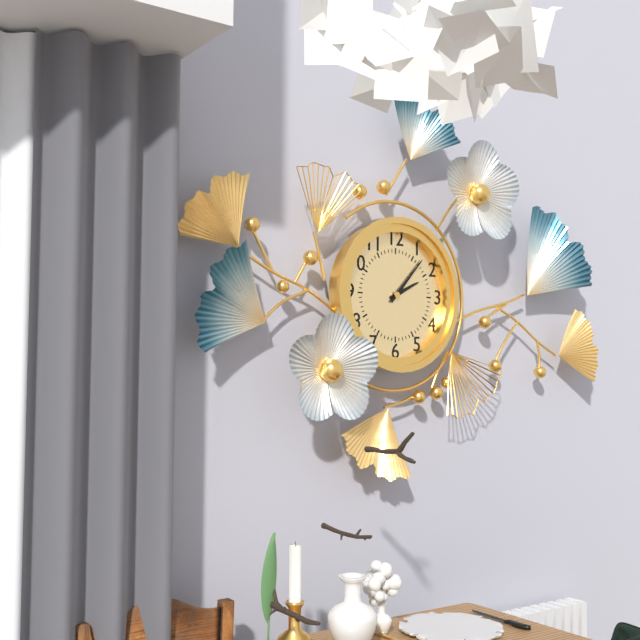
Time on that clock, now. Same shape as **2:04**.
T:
**2:07**
